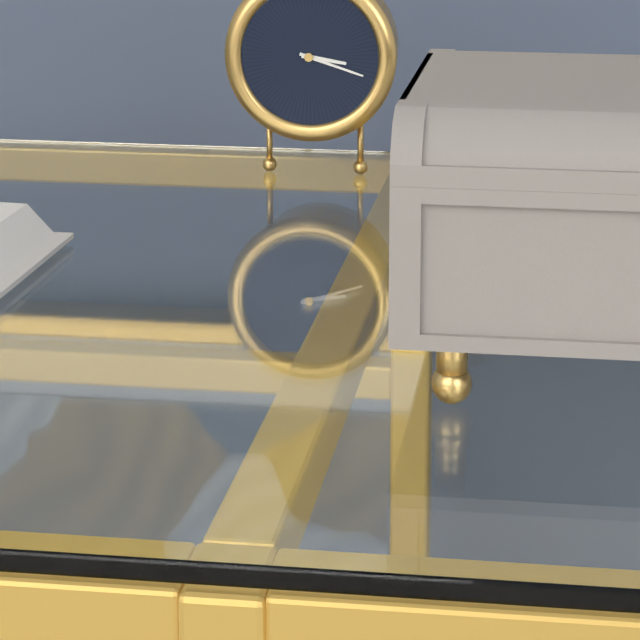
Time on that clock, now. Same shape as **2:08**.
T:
**3:18**
